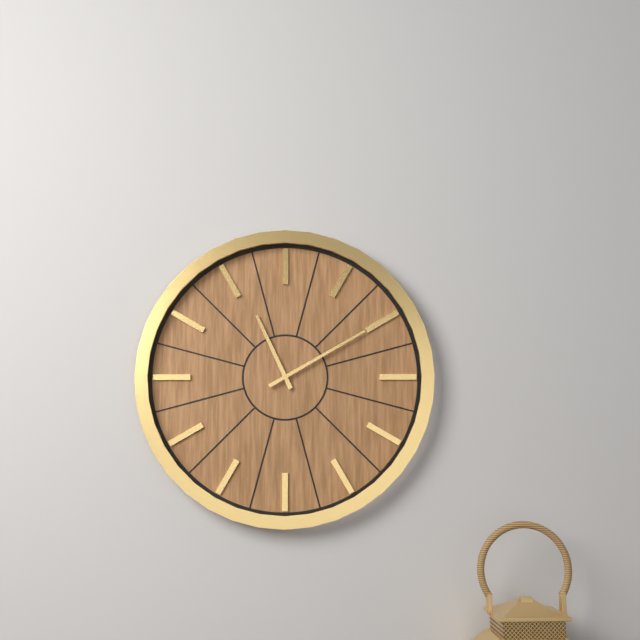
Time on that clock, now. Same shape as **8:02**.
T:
**11:10**
